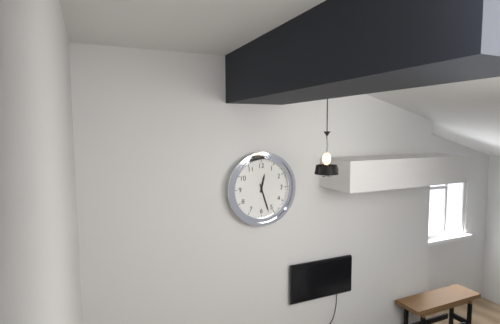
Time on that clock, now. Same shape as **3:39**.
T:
**12:27**
